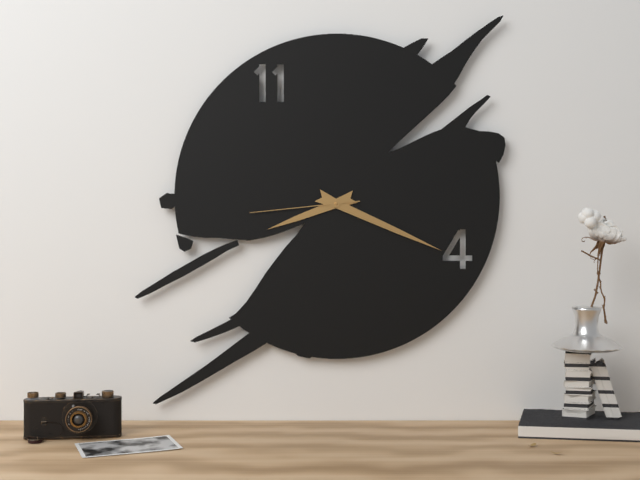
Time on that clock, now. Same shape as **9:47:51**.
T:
**8:19:44**
